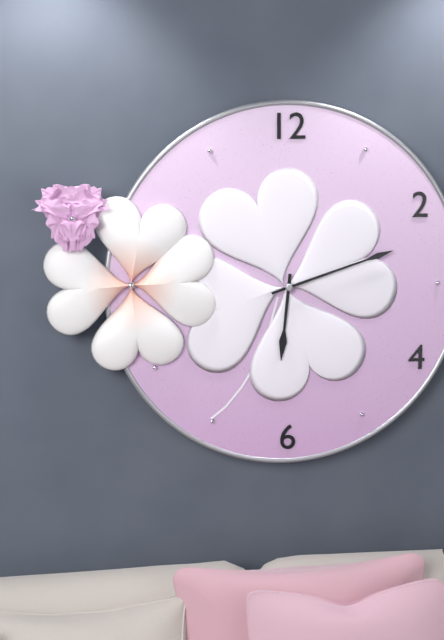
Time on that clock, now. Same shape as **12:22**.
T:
**6:12**
